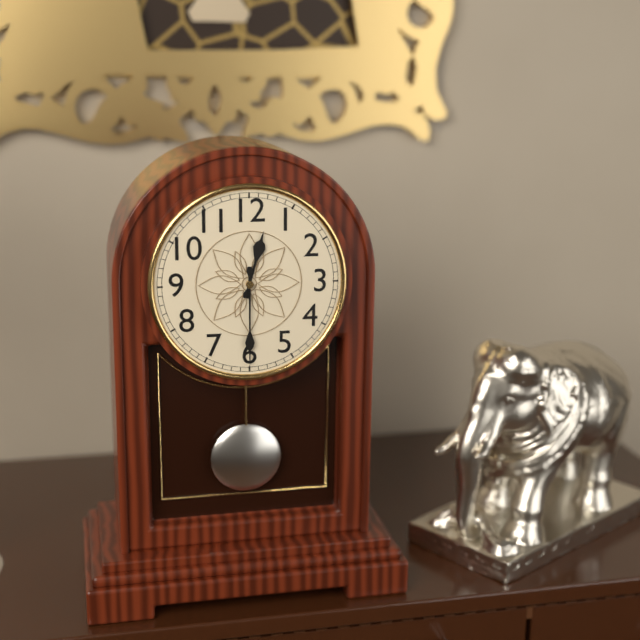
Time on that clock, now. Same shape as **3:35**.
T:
**12:30**
